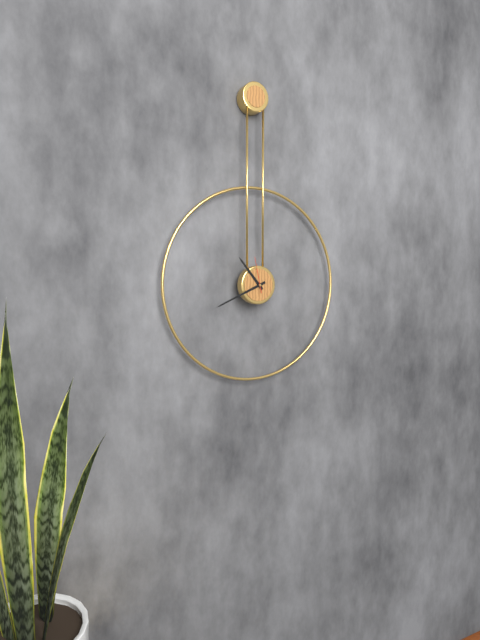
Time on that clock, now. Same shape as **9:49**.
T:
**10:41**
